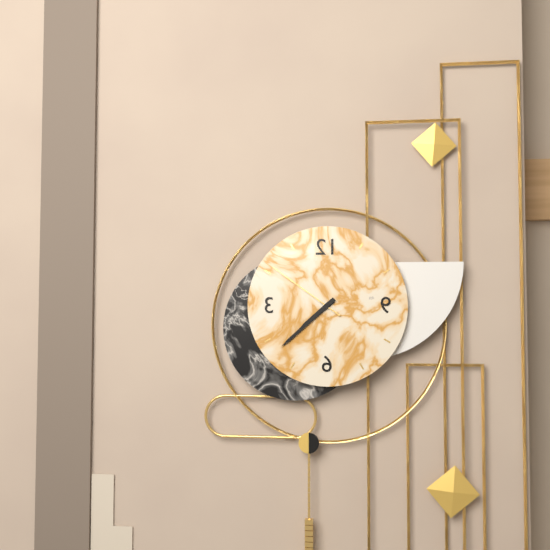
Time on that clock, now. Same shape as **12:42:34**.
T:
**7:38:51**
